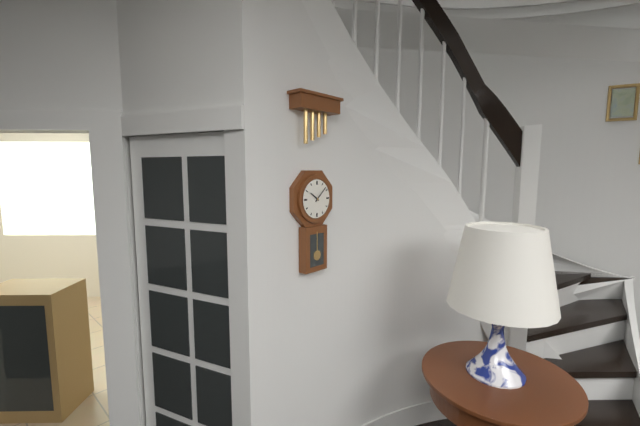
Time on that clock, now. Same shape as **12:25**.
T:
**10:08**
